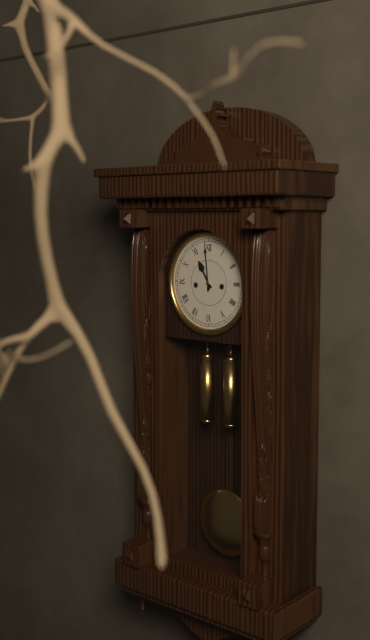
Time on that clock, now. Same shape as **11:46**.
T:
**10:59**
